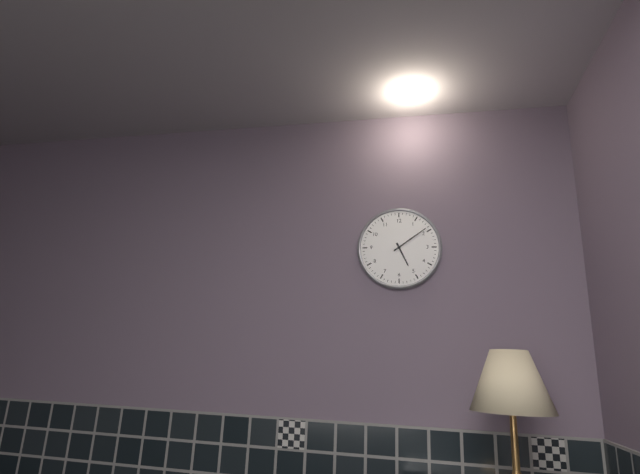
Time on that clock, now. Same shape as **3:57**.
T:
**5:09**
